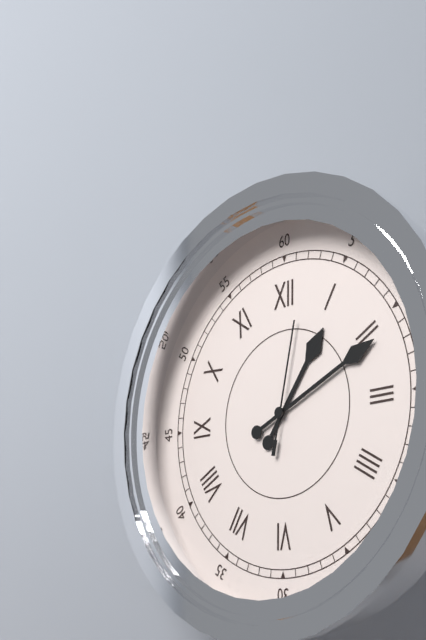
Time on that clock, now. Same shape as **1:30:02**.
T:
**1:11:02**
